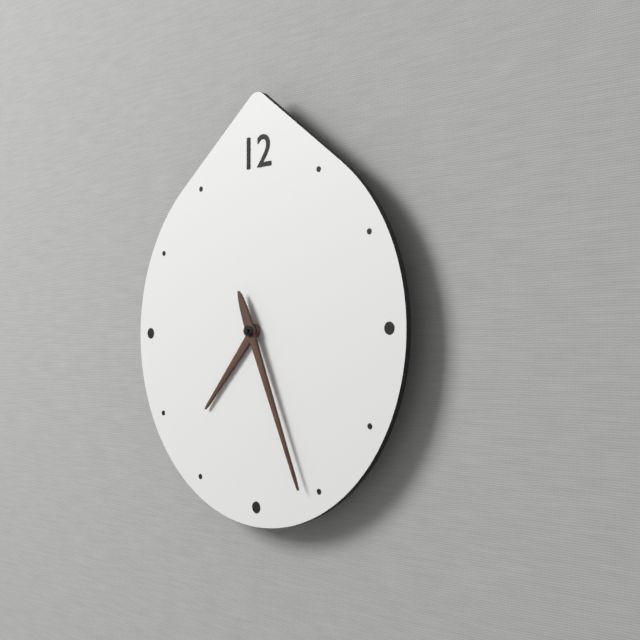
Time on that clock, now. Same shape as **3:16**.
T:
**7:26**
